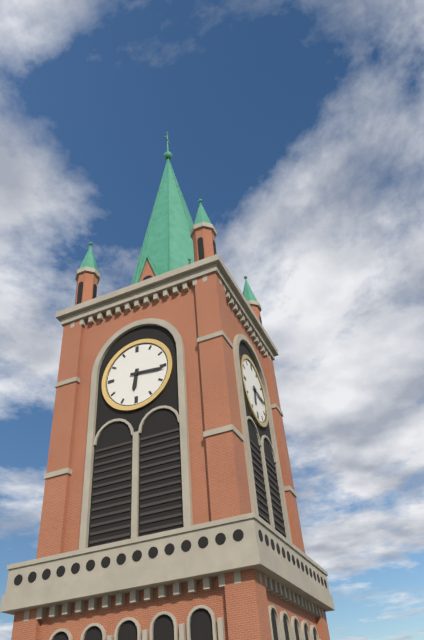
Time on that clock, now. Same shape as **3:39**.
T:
**6:16**
